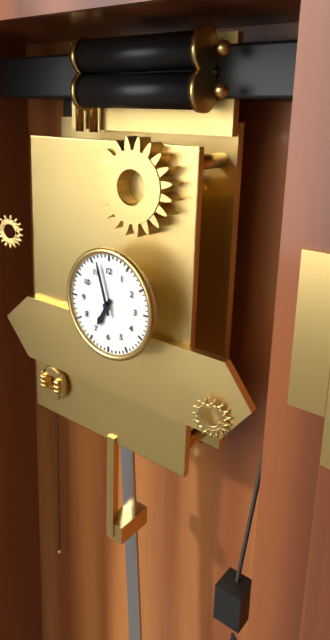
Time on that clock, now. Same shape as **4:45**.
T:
**6:57**
